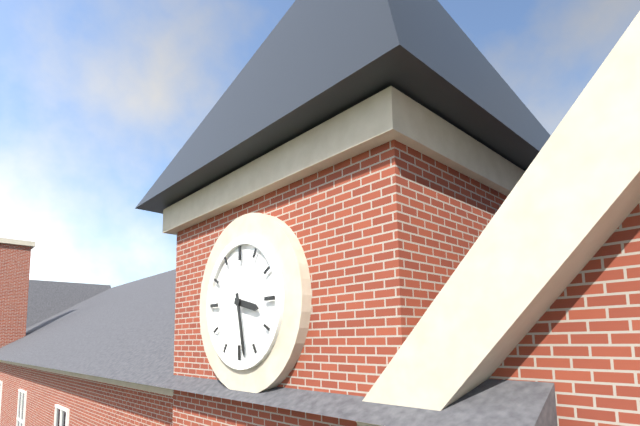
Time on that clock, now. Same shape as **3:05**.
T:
**3:28**
